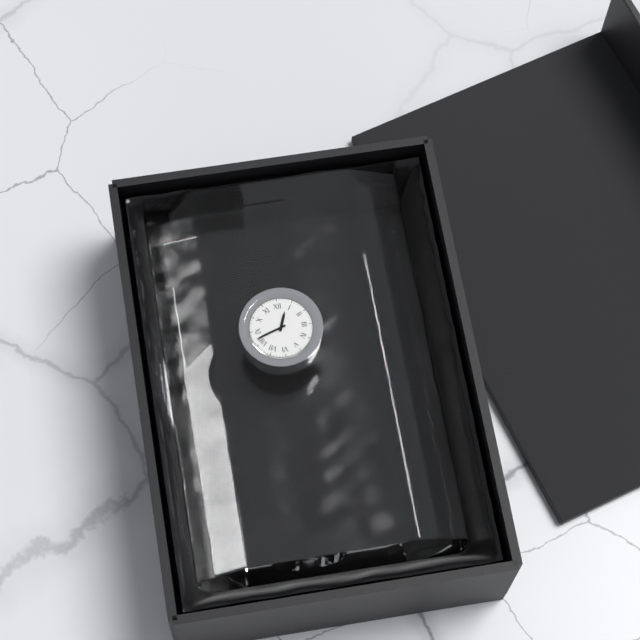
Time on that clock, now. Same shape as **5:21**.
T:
**12:42**
